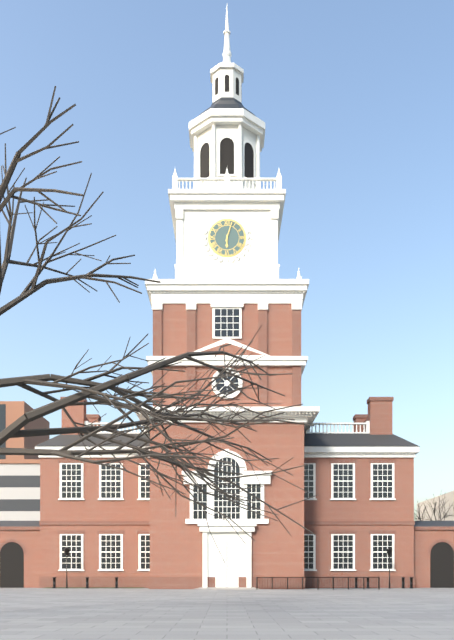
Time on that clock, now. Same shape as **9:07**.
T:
**6:03**
